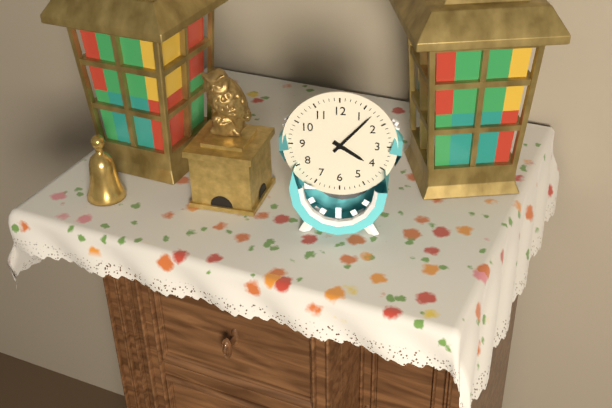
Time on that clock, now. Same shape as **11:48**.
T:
**4:07**
